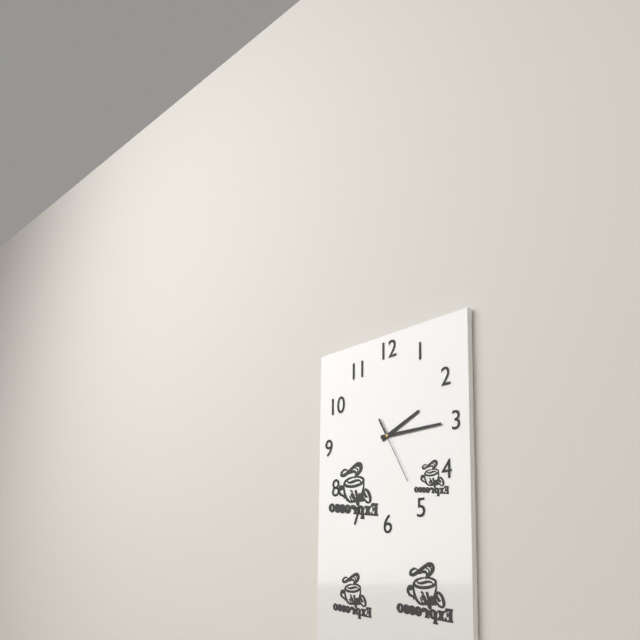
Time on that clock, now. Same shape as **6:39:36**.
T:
**2:15:25**
